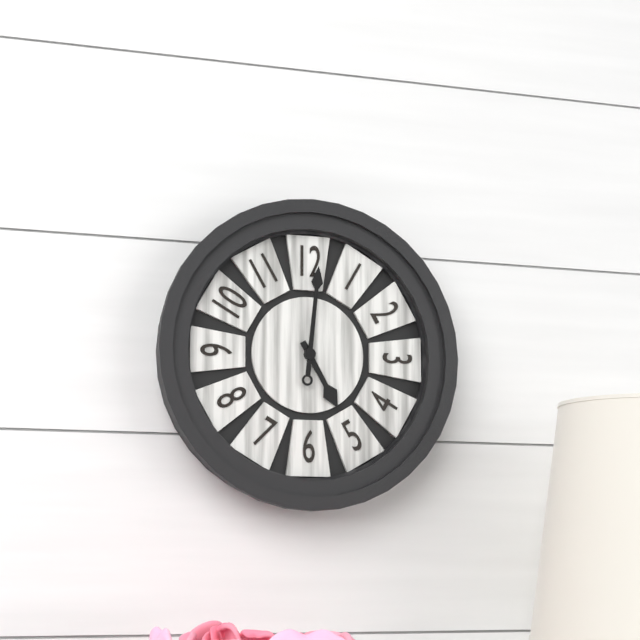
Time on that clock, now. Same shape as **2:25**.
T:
**5:01**
